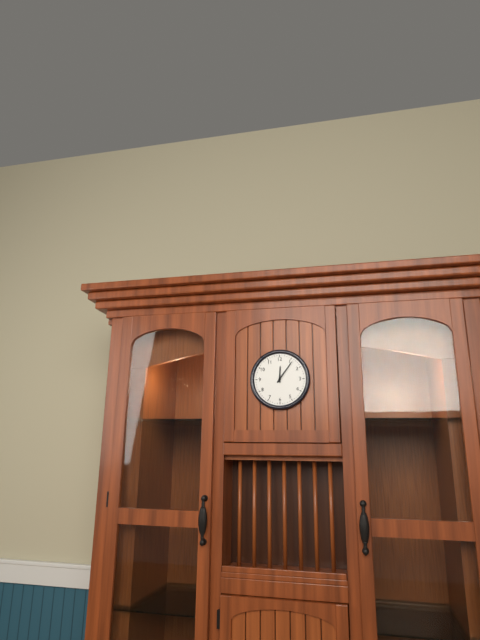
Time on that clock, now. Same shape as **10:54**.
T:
**12:06**
